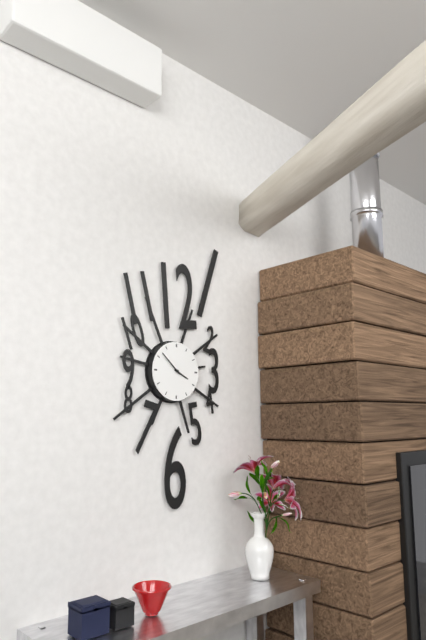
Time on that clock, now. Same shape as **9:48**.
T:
**3:52**
